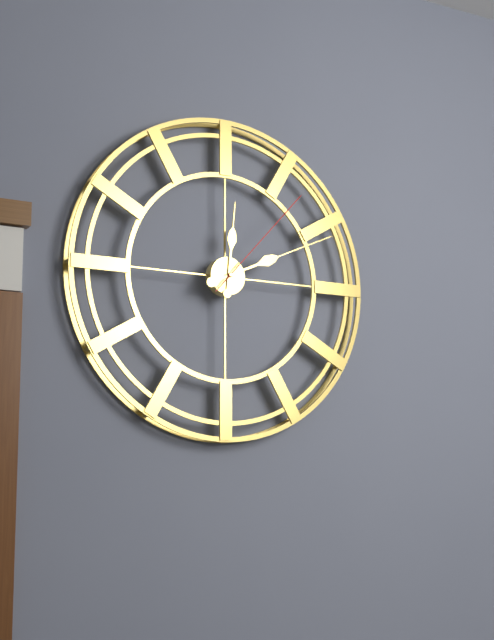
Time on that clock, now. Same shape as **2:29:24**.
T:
**12:11:07**
